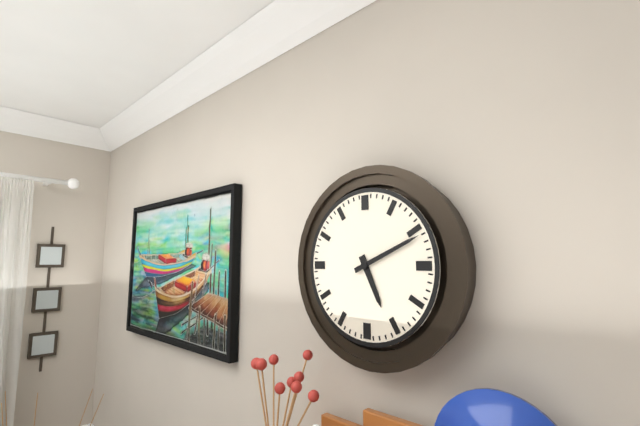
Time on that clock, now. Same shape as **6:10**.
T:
**5:11**
